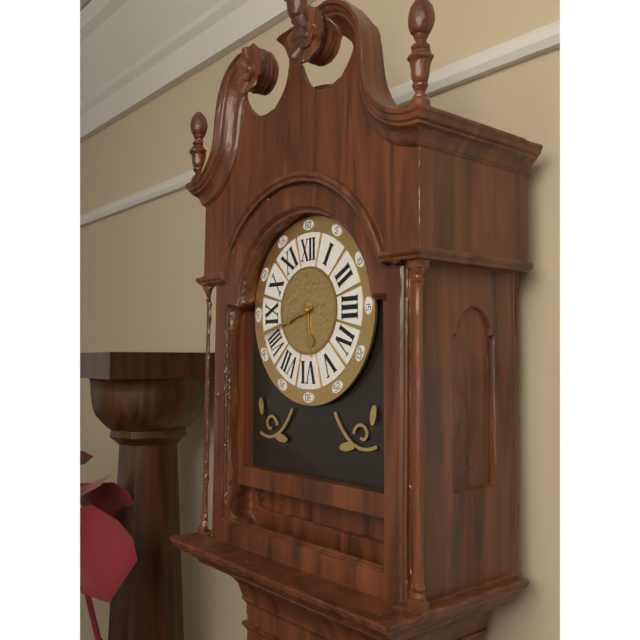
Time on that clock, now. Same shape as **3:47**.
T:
**5:42**
